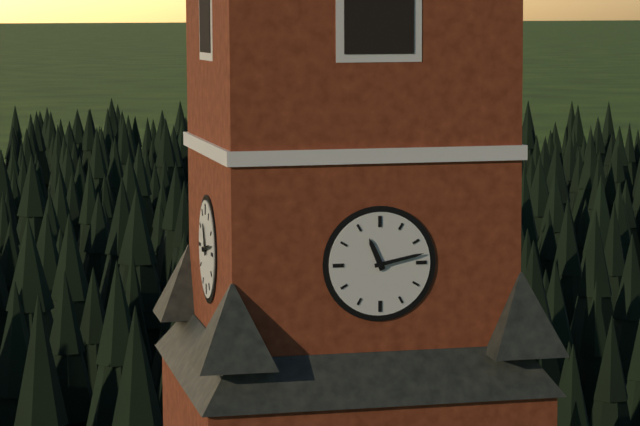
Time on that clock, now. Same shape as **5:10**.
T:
**11:13**
